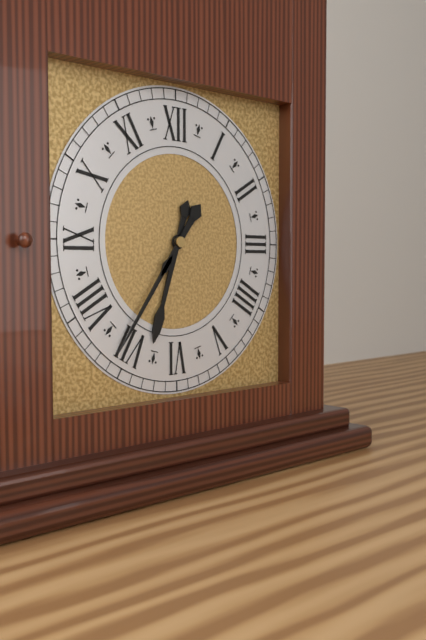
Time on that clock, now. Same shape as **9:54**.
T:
**6:36**
